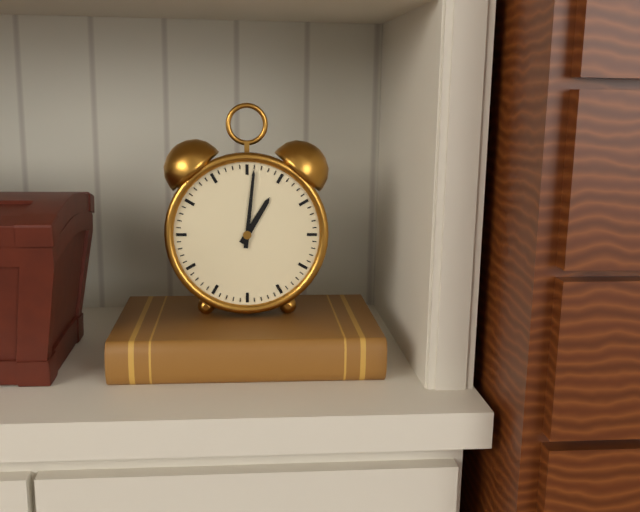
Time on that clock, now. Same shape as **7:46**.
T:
**1:01**
